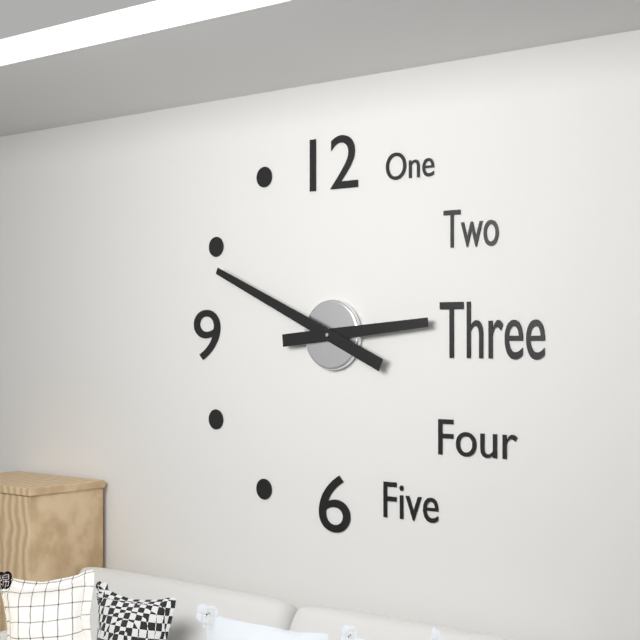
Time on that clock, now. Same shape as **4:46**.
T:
**2:49**
